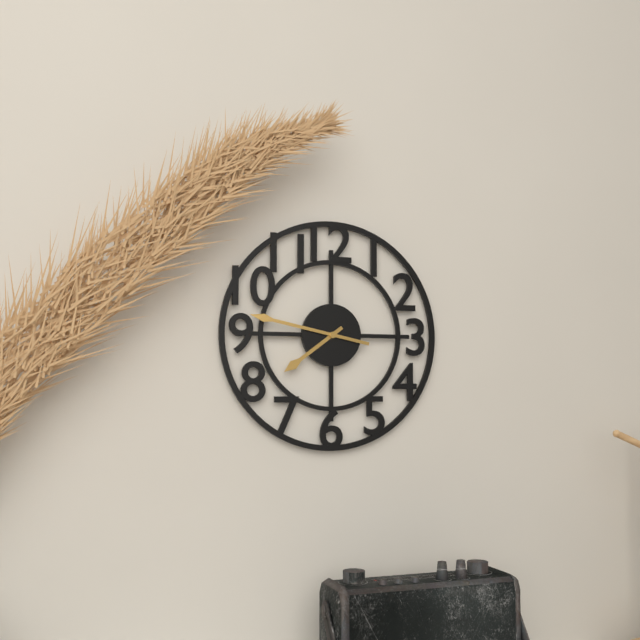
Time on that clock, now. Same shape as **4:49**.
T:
**7:47**
